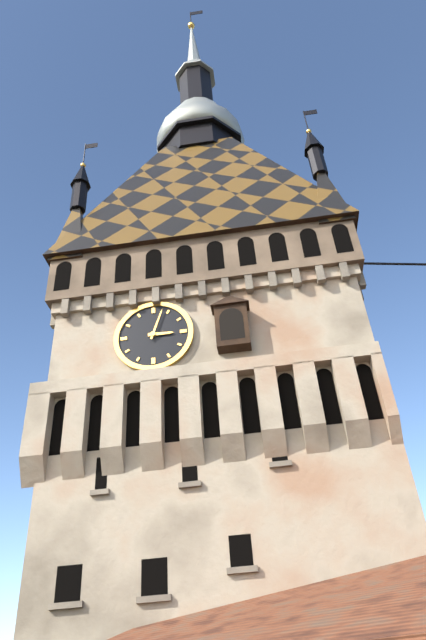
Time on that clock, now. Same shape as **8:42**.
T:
**3:03**
